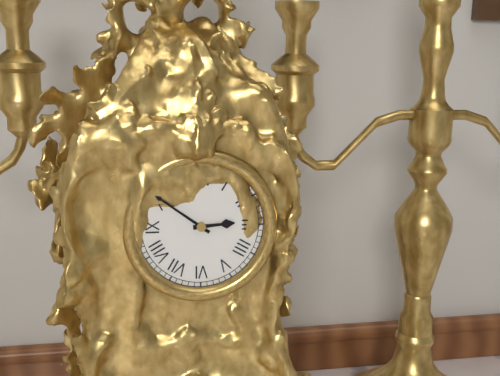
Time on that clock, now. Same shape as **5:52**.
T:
**2:51**
